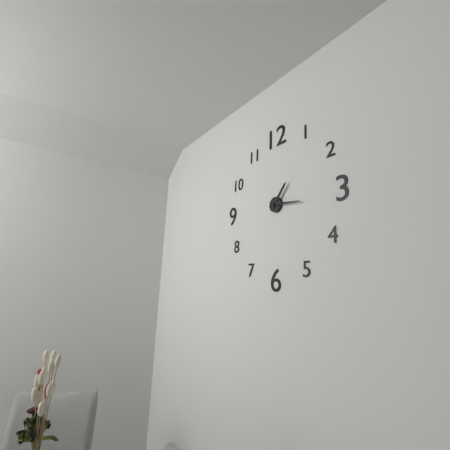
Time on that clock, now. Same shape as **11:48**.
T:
**1:16**
